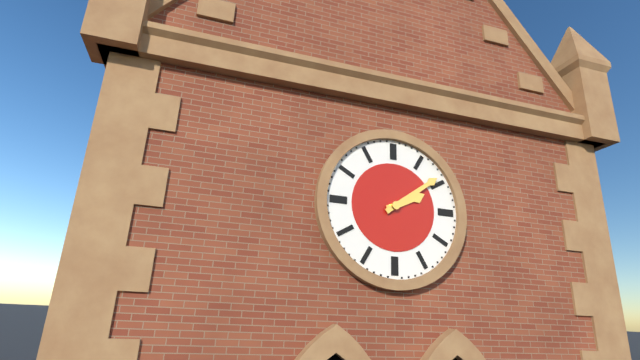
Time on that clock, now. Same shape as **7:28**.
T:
**2:09**
